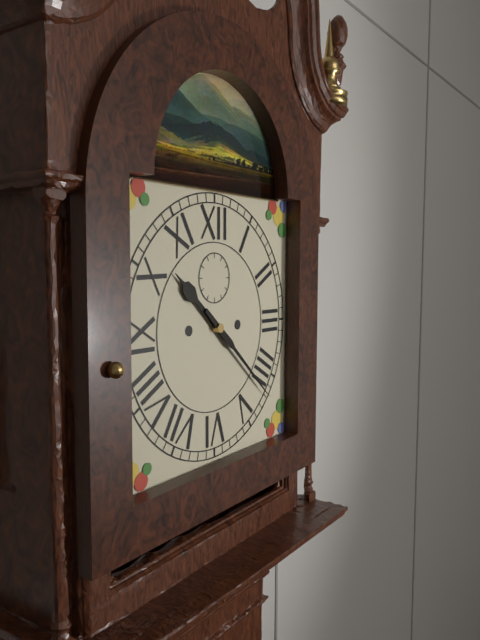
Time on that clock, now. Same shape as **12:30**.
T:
**10:22**
